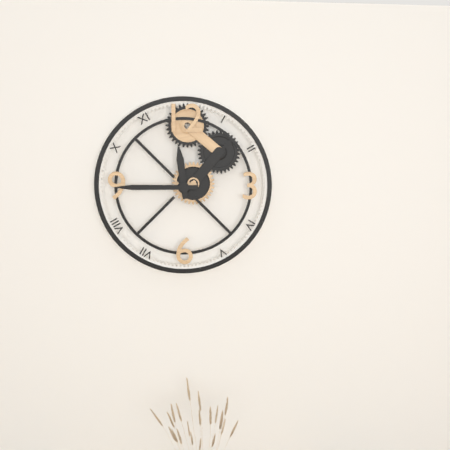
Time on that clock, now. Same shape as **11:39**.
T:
**11:45**
